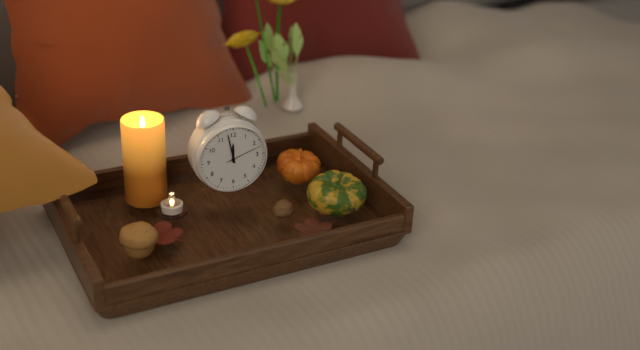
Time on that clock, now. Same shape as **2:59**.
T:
**11:58**
